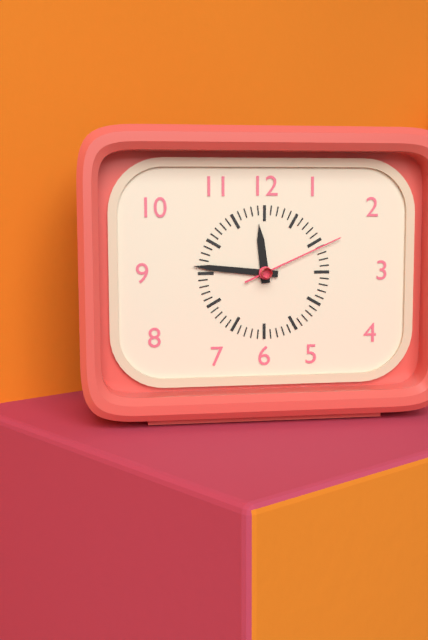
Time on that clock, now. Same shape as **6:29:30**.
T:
**11:46:11**
